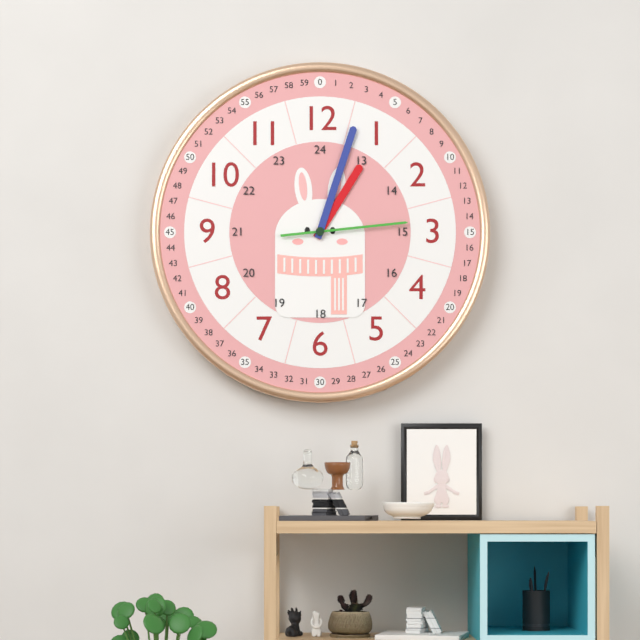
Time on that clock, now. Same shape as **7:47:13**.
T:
**1:03:14**
